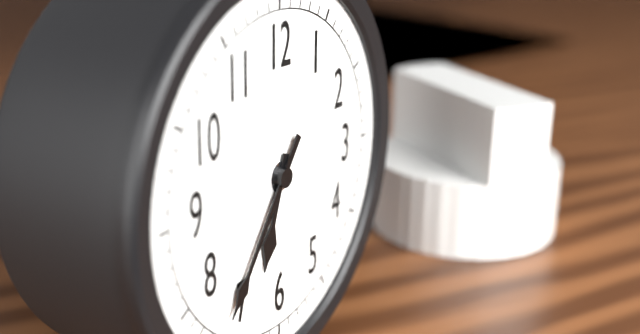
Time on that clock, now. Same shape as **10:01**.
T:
**6:36**
